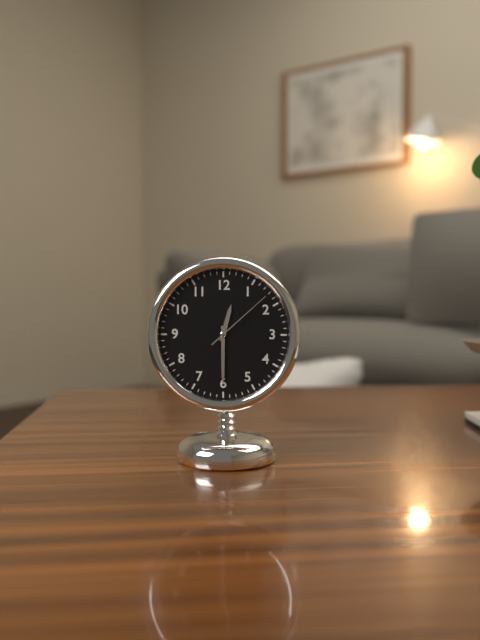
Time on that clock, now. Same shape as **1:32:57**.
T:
**12:30:08**
